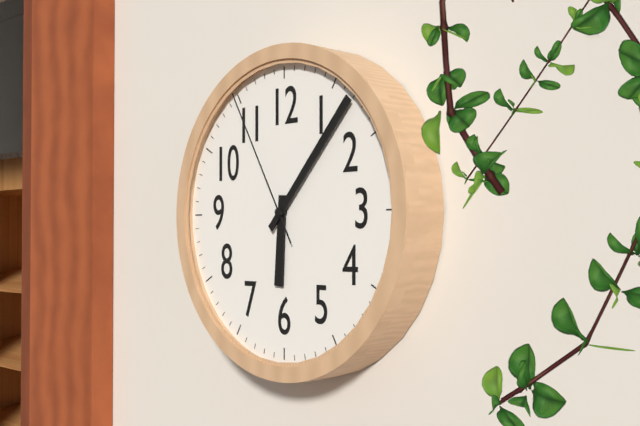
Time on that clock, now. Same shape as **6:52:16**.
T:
**6:07:55**
